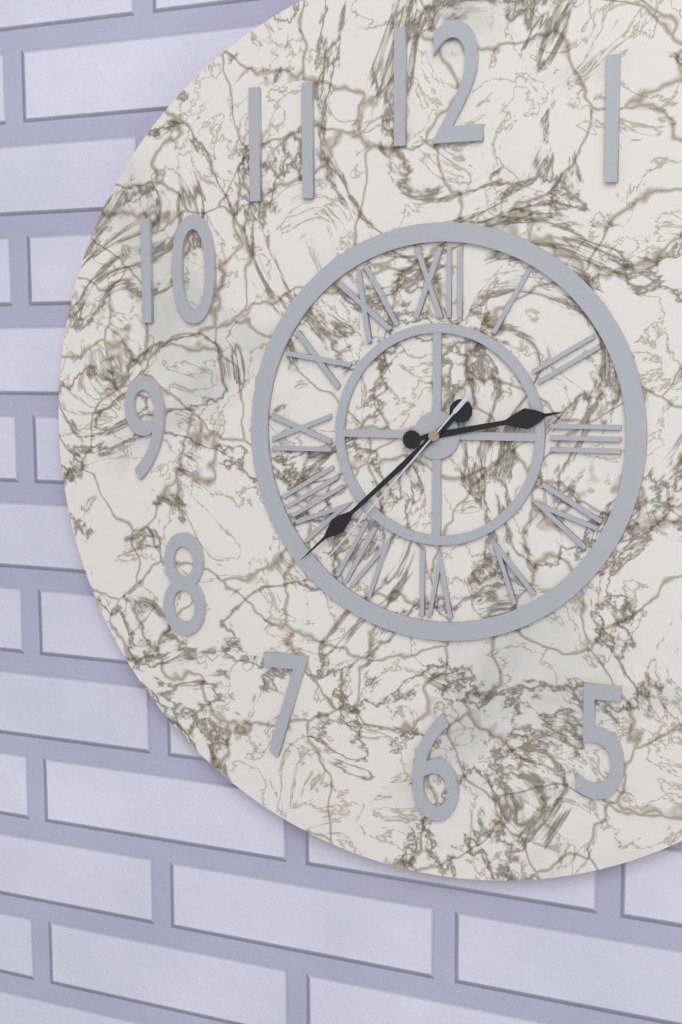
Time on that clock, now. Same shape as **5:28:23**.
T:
**2:38:37**
